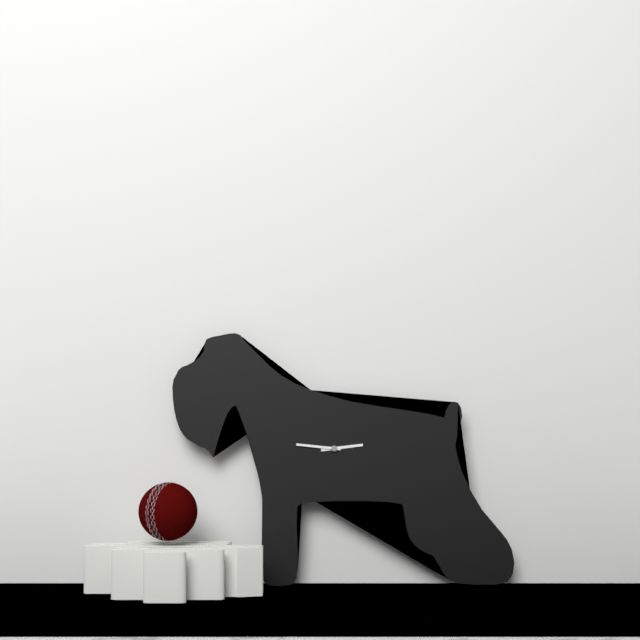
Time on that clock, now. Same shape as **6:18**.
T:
**2:46**
